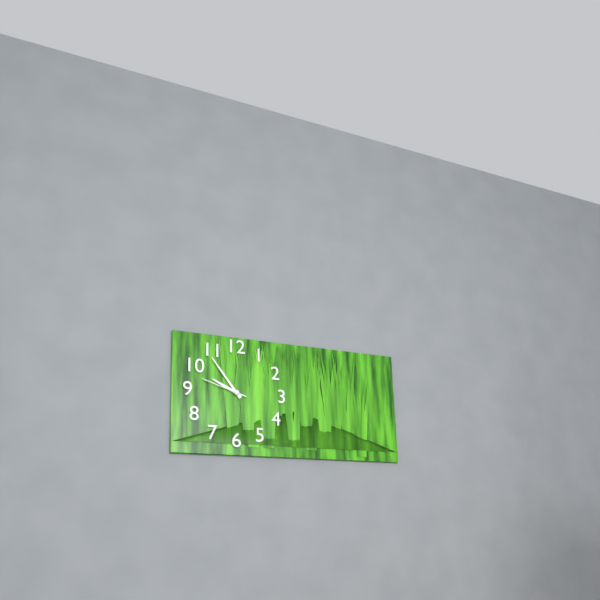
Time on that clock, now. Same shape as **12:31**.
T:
**9:54**
